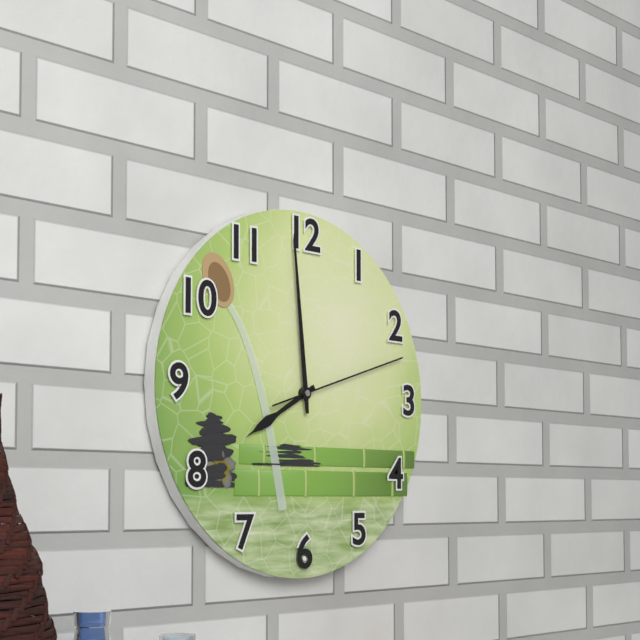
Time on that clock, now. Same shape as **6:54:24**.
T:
**7:59:12**
